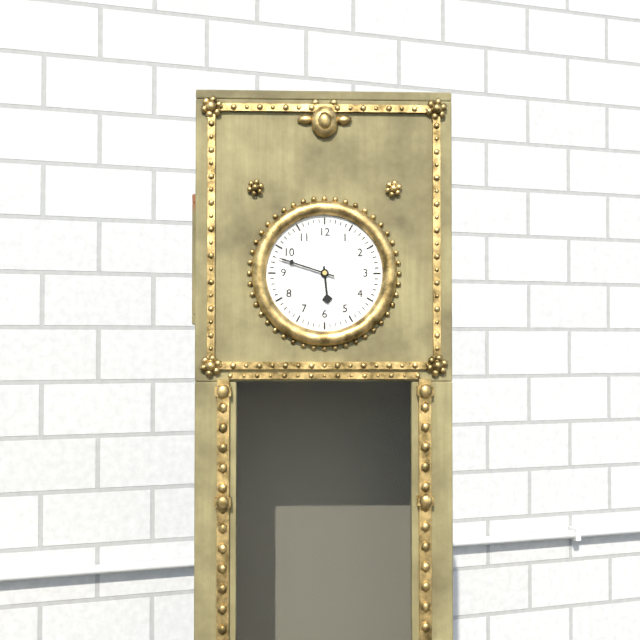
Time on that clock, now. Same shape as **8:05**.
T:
**5:48**
